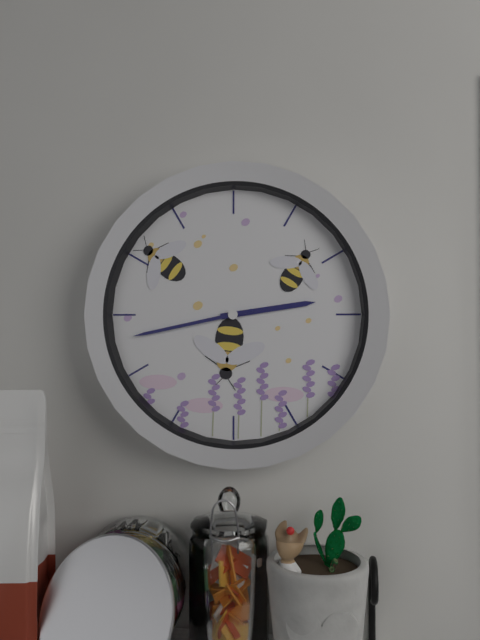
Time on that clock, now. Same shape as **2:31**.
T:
**2:43**
